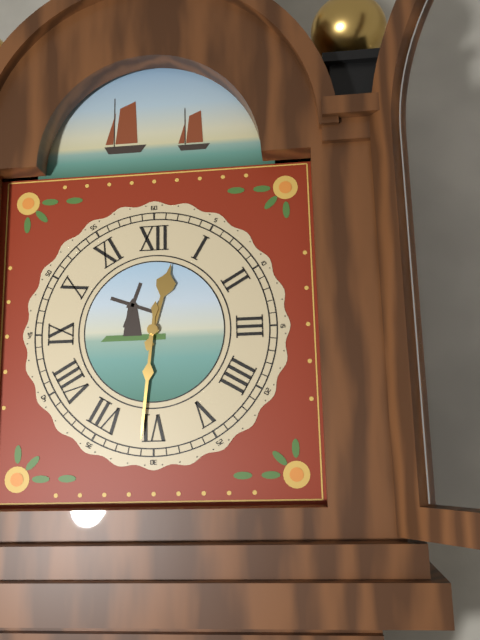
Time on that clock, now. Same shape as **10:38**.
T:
**12:31**
